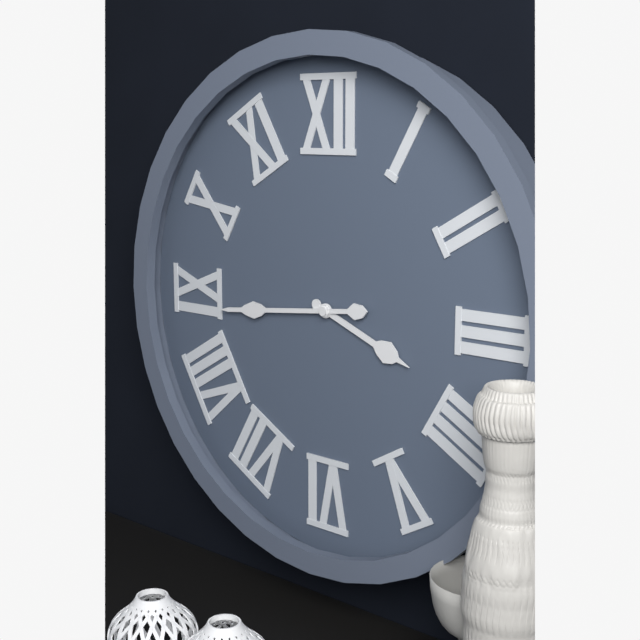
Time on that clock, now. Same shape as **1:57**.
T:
**3:44**
